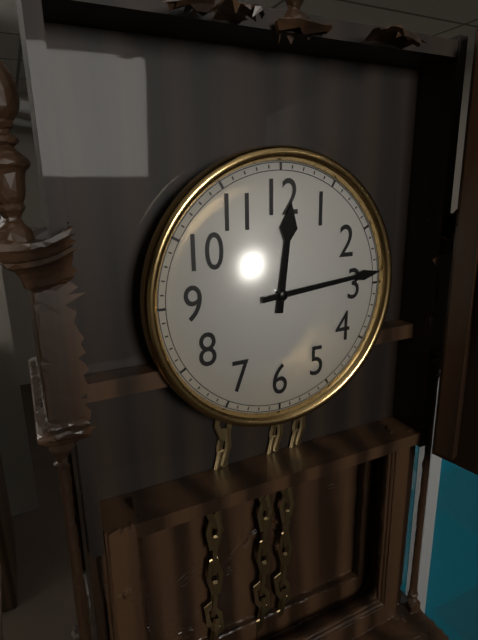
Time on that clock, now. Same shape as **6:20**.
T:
**12:14**
